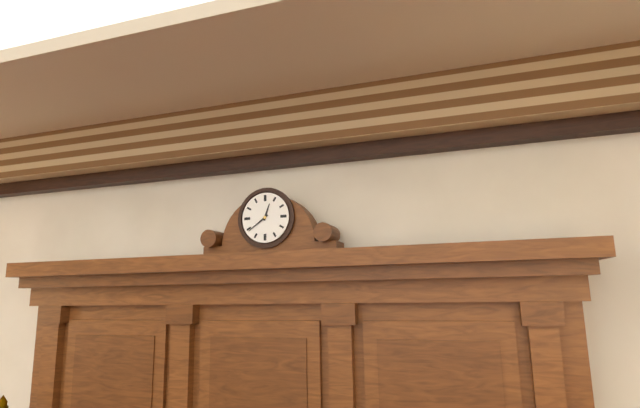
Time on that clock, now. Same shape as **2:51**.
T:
**12:39**
